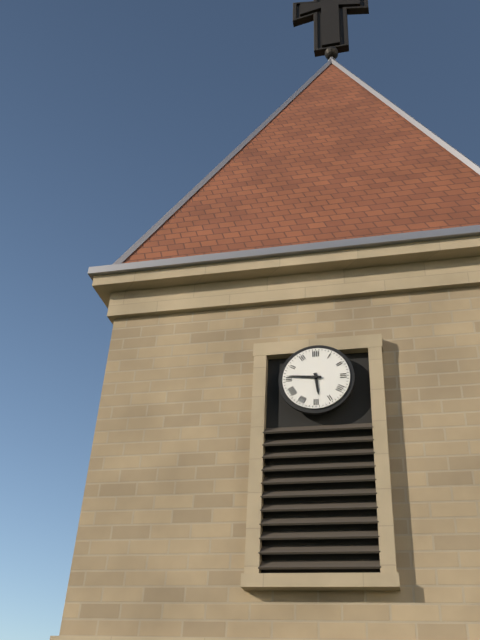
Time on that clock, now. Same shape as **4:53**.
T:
**5:46**
